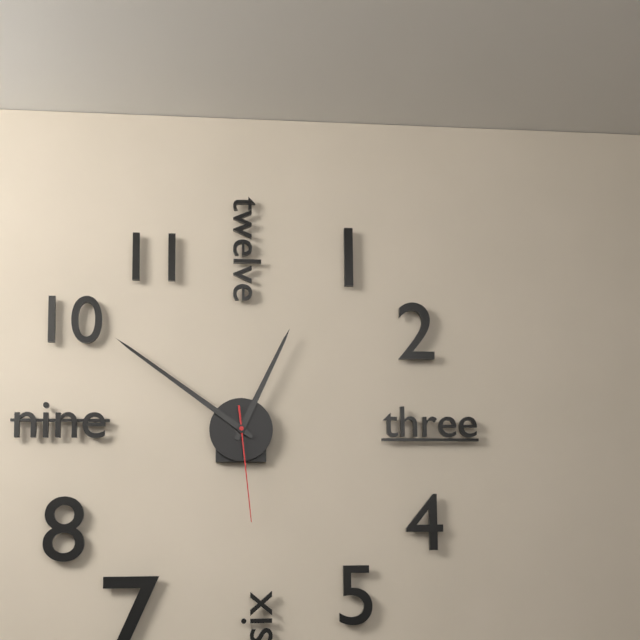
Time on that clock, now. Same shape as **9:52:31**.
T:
**12:51:29**
